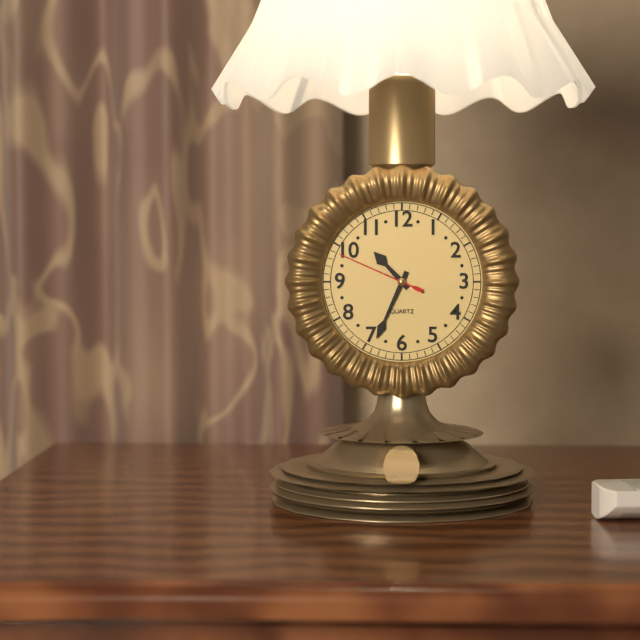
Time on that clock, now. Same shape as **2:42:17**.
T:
**10:34:49**
